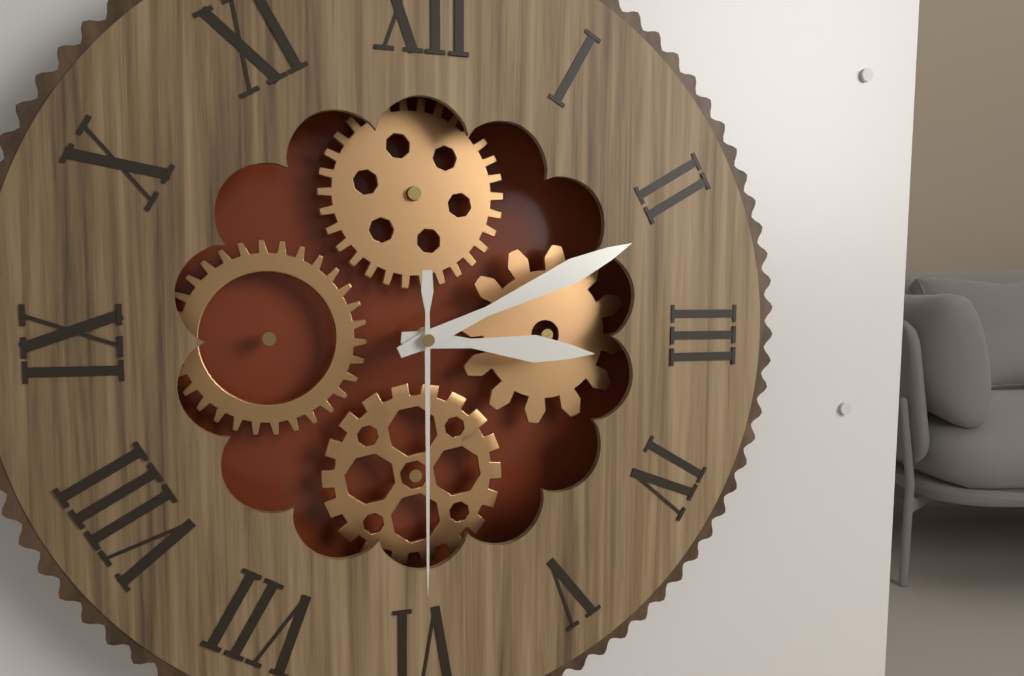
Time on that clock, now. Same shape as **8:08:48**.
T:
**3:11:30**
